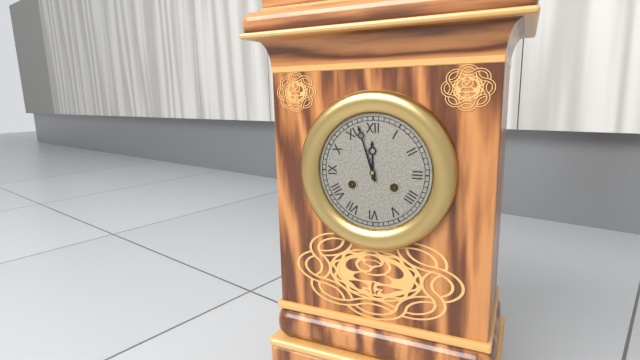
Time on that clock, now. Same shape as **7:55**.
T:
**11:57**
